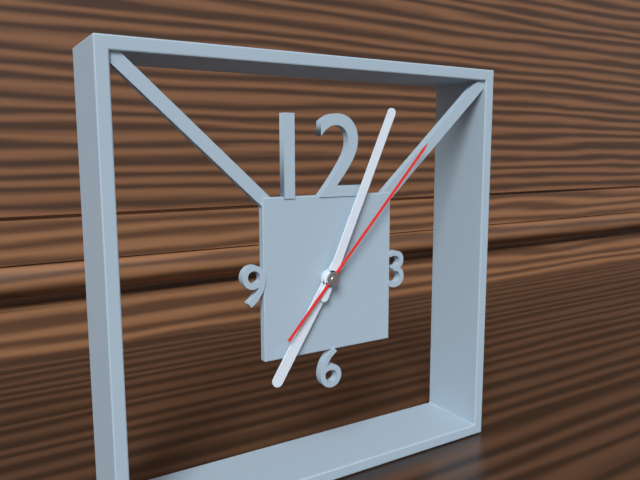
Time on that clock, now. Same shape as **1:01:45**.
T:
**7:04:07**
